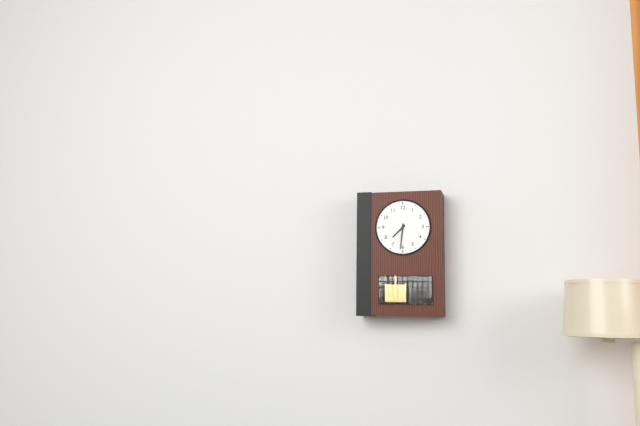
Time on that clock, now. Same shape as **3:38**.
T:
**7:31**
